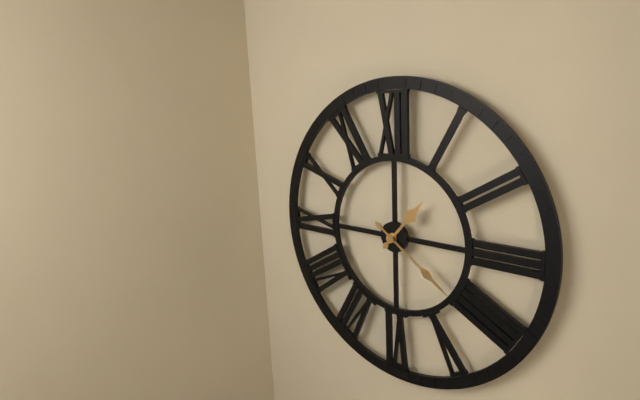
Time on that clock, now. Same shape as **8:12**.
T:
**1:21**
